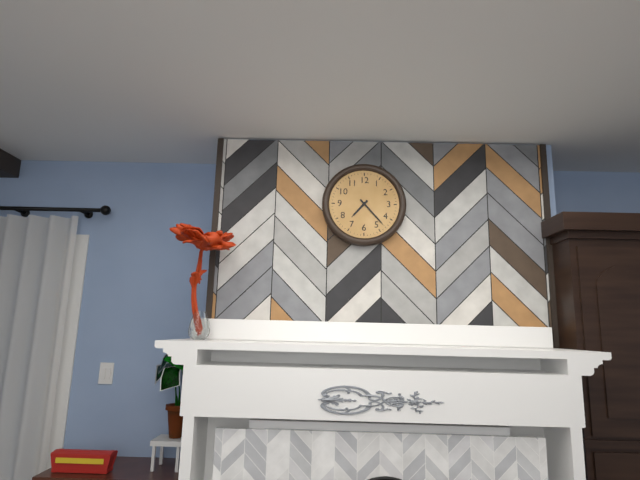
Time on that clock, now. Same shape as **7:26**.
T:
**7:23**
